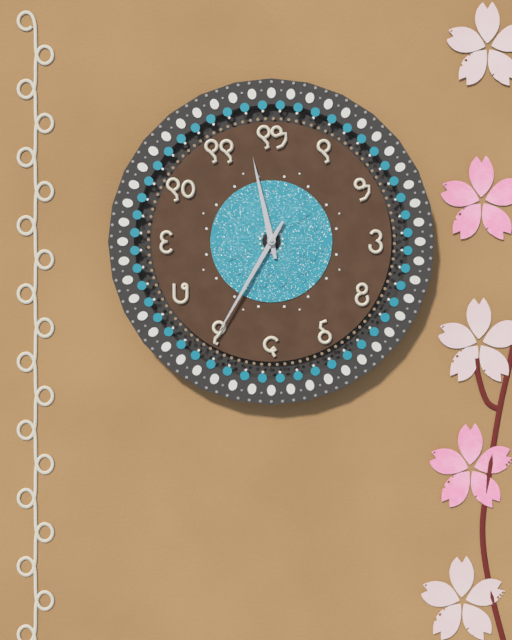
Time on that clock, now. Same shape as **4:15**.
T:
**11:35**
